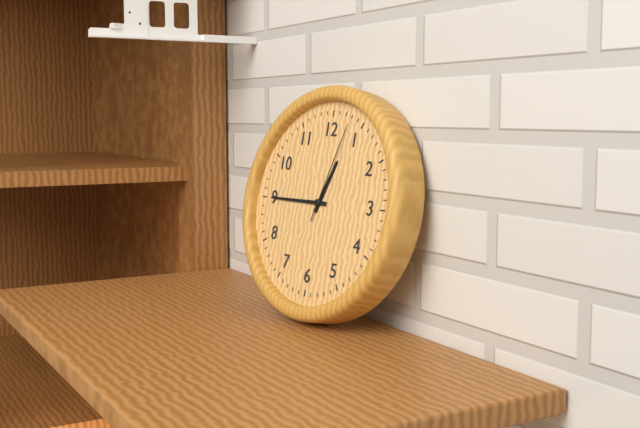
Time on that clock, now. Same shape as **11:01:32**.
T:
**12:45:03**
